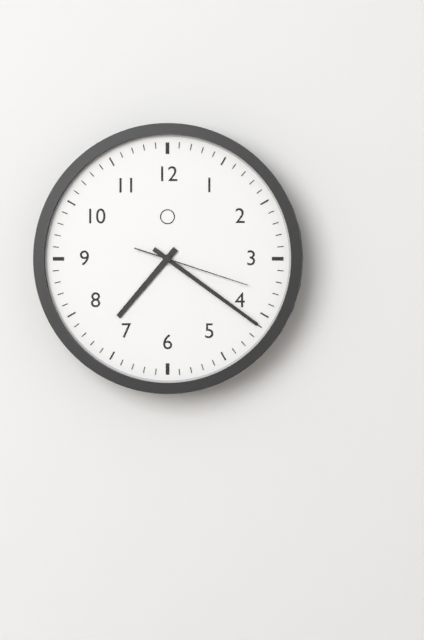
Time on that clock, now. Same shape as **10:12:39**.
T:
**7:21:18**
